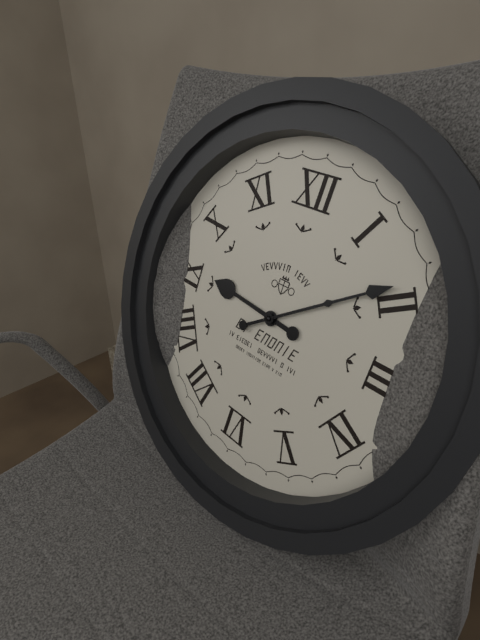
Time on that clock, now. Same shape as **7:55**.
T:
**9:09**
